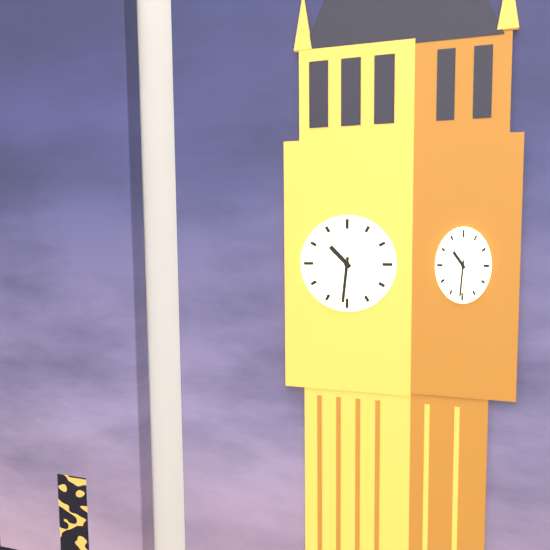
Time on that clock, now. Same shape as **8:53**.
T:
**10:31**
